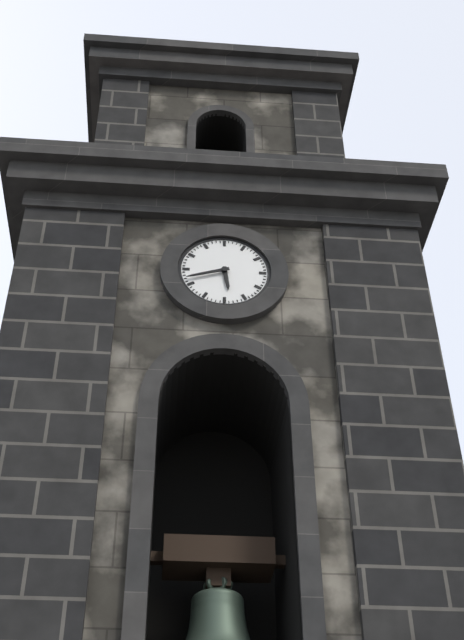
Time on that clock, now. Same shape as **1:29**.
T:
**5:42**
